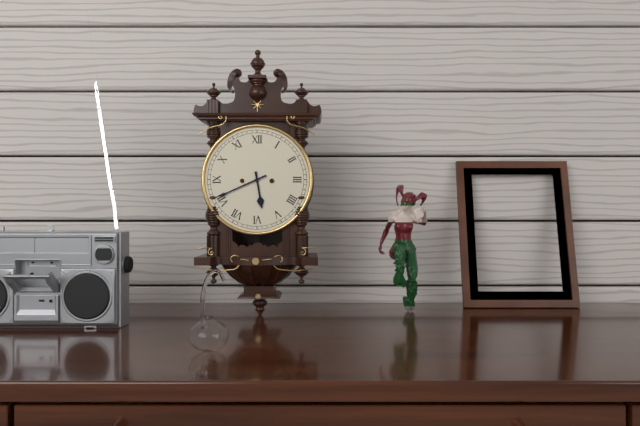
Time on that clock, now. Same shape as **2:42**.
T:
**5:41**
